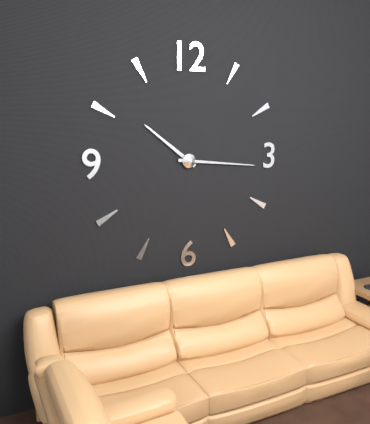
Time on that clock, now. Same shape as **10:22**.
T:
**10:16**
